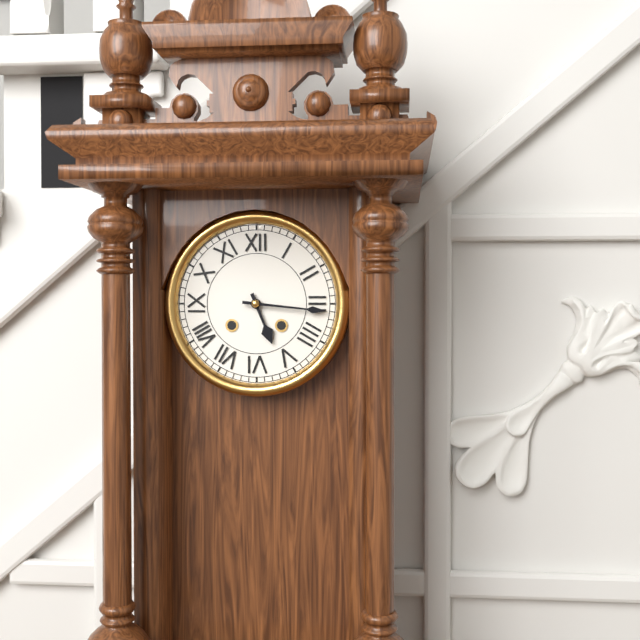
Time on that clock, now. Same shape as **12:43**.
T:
**5:16**
